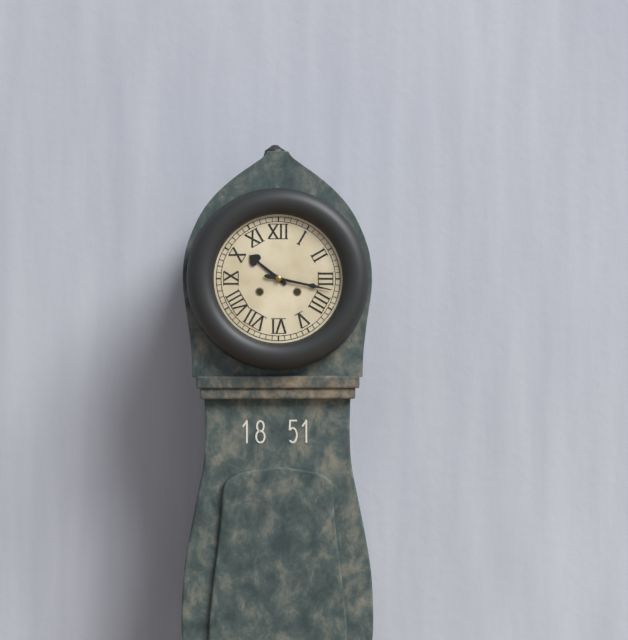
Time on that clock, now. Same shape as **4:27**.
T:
**10:17**
